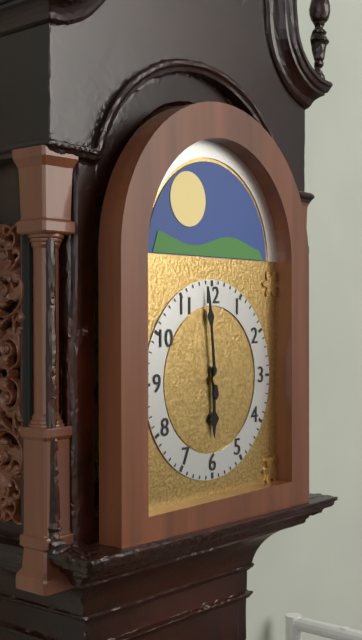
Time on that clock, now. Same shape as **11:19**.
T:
**5:59**
